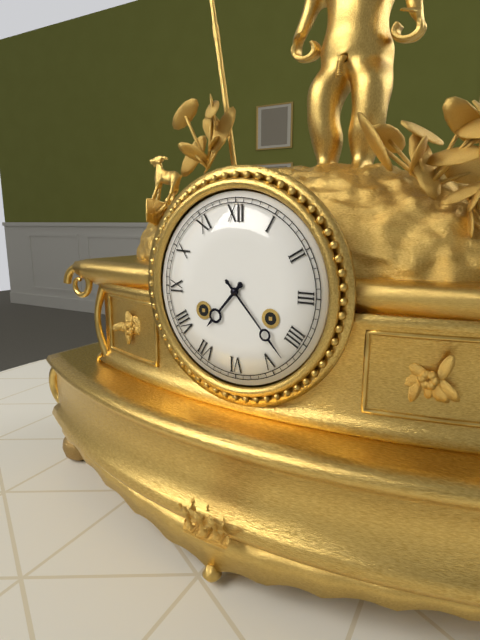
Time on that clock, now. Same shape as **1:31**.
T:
**7:23**
